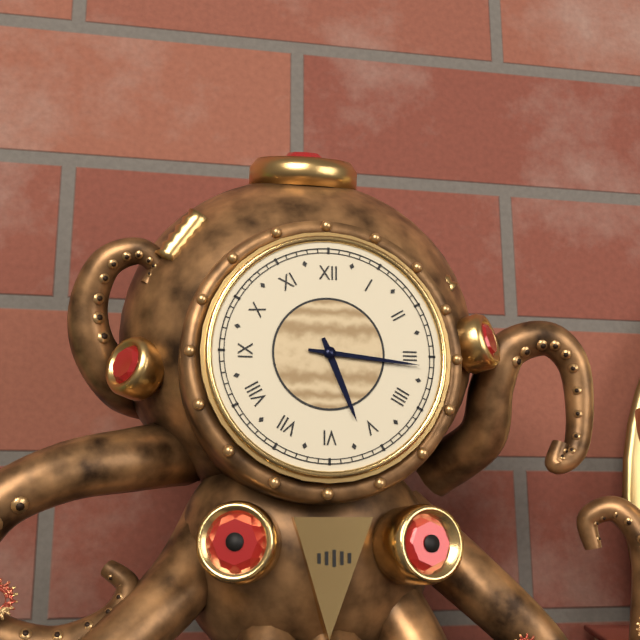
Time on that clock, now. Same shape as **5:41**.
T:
**5:16**
